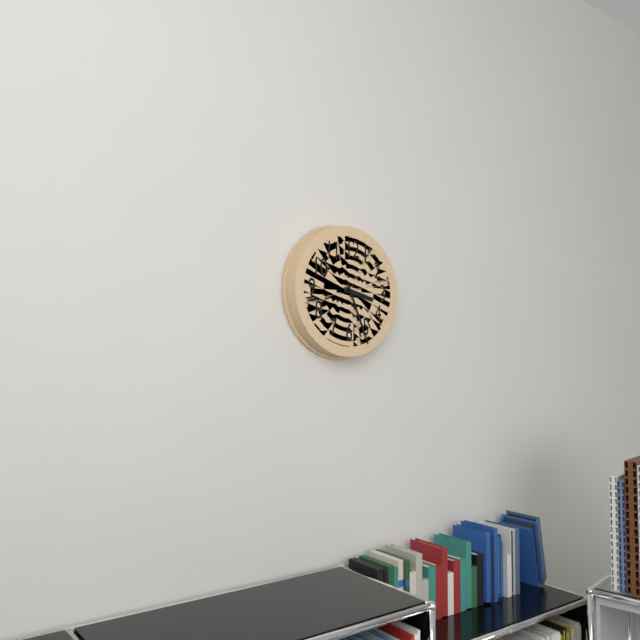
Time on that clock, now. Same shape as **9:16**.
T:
**3:26**
